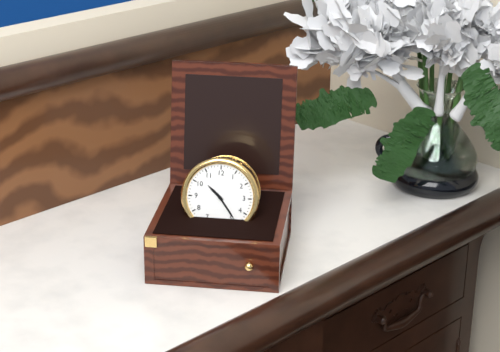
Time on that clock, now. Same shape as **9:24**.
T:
**10:24**
